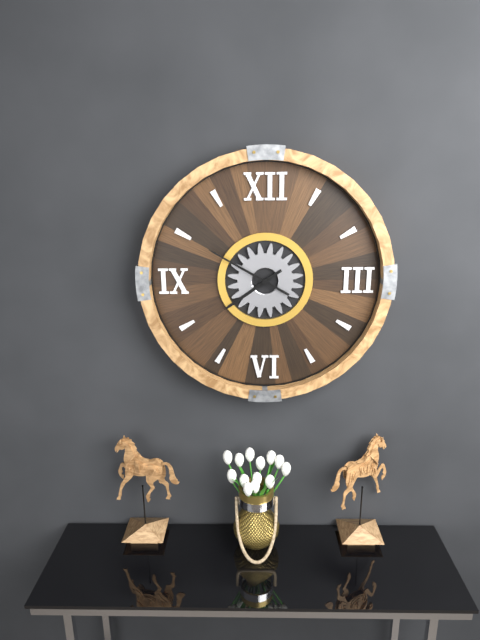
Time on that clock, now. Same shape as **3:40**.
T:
**7:50**
